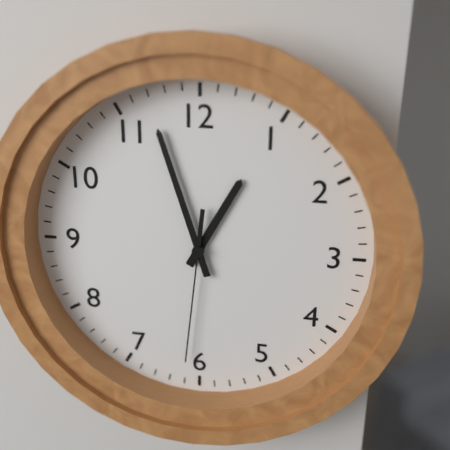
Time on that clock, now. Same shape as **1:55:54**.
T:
**12:57:31**
